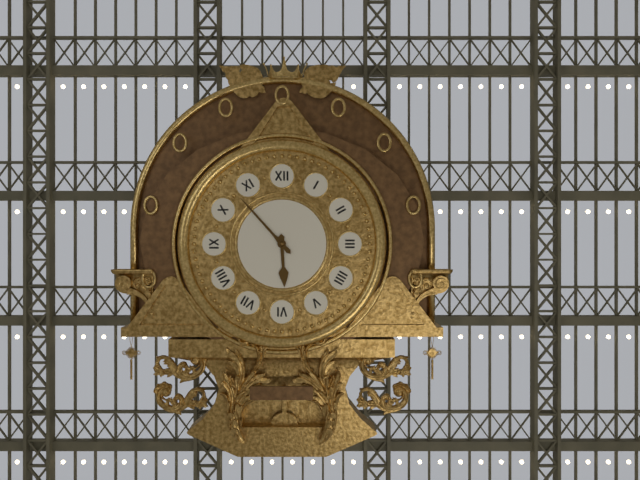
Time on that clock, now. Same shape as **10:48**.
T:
**5:53**
